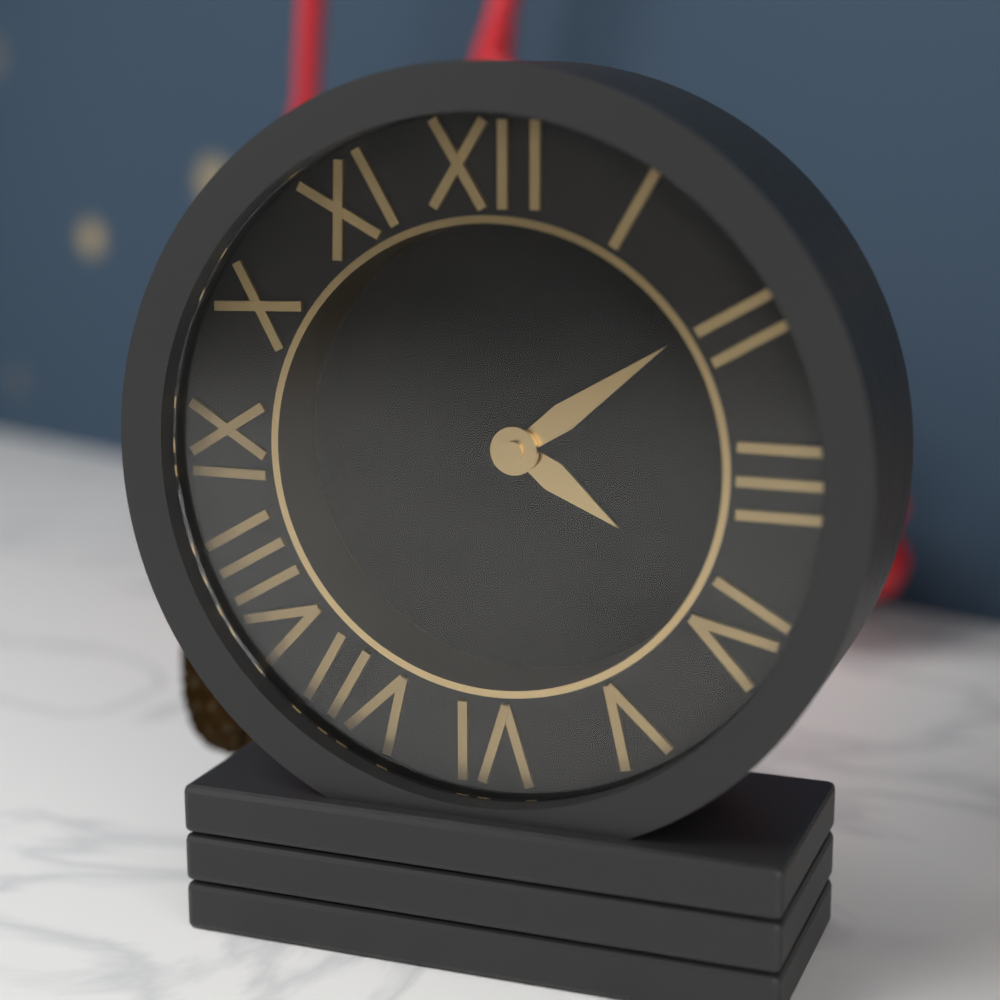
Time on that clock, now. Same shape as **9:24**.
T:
**4:09**
